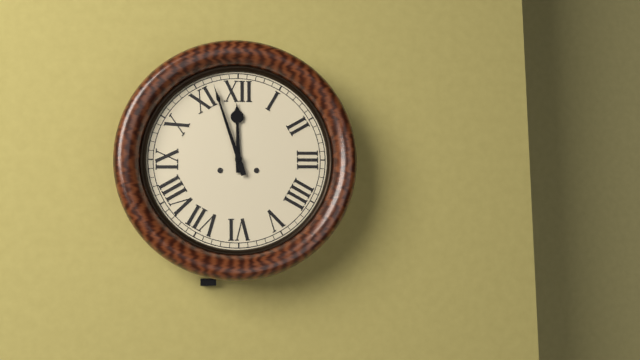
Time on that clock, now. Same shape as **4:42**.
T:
**11:57**
